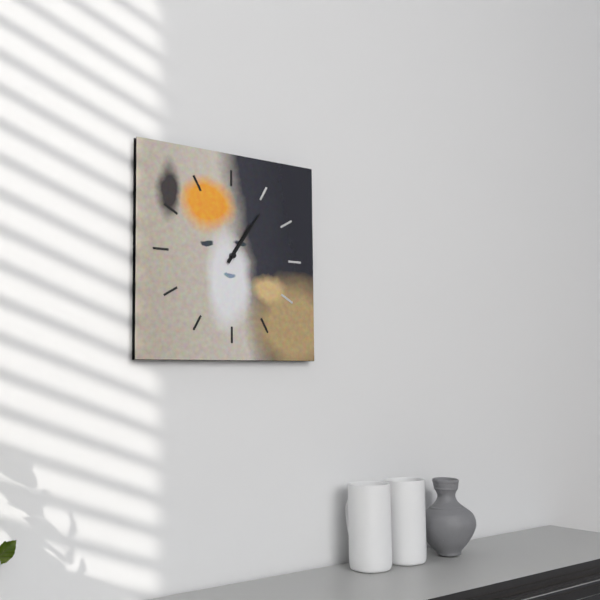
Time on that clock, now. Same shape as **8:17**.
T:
**1:06**
